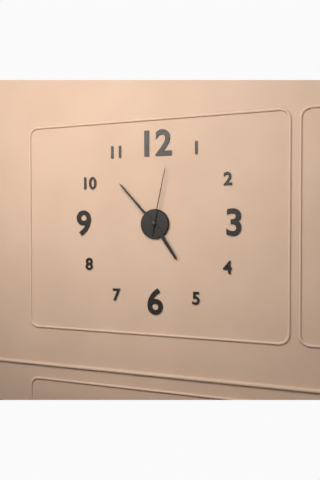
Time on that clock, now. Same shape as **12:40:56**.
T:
**4:53:02**
